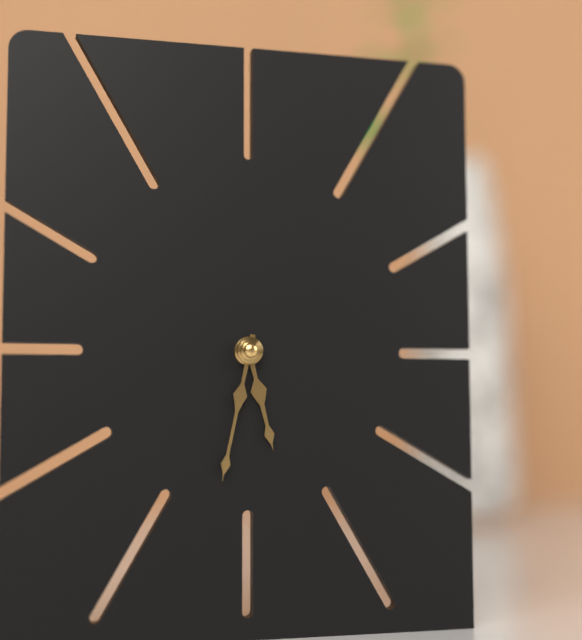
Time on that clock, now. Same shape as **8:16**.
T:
**5:32**
